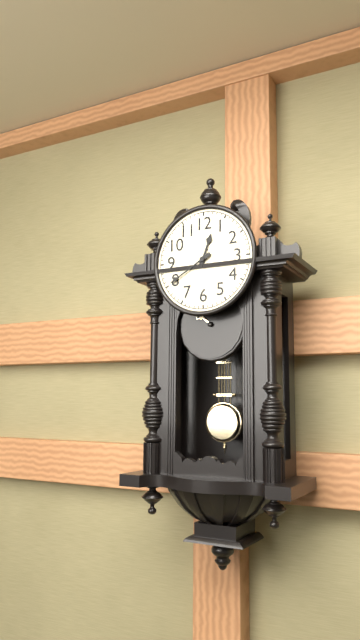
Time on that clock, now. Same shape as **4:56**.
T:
**12:40**
